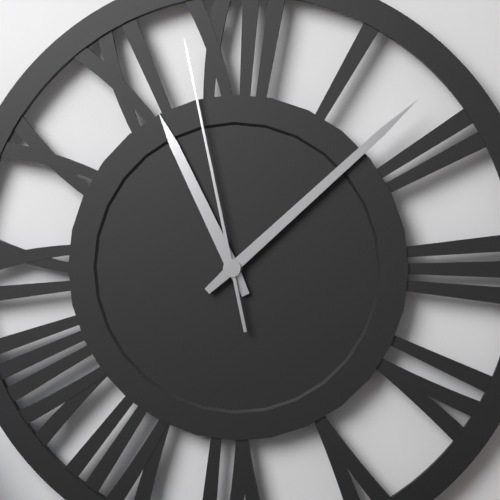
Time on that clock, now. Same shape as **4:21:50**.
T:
**11:08:58**
